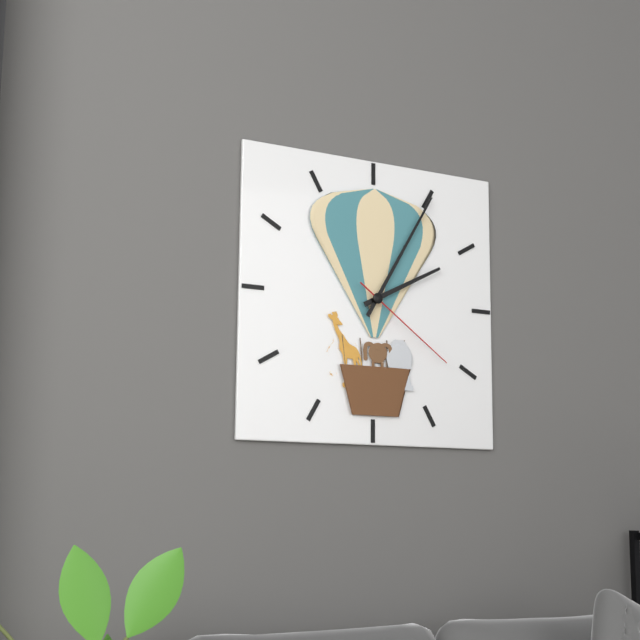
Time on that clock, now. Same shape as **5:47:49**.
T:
**2:05:21**
